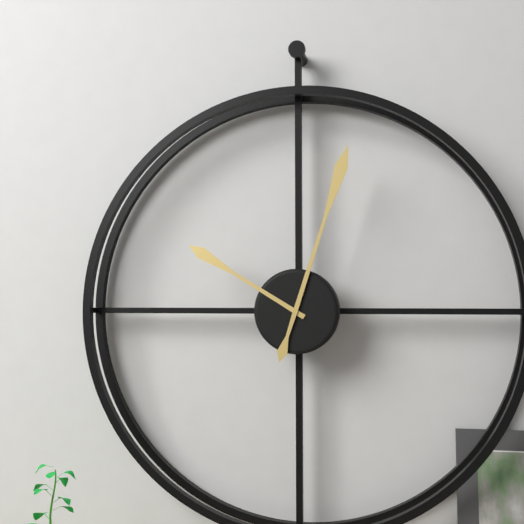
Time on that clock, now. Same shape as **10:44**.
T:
**10:03**
